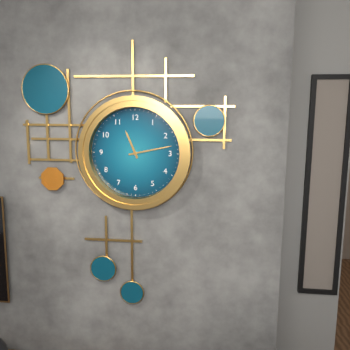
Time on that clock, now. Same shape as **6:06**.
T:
**11:13**
